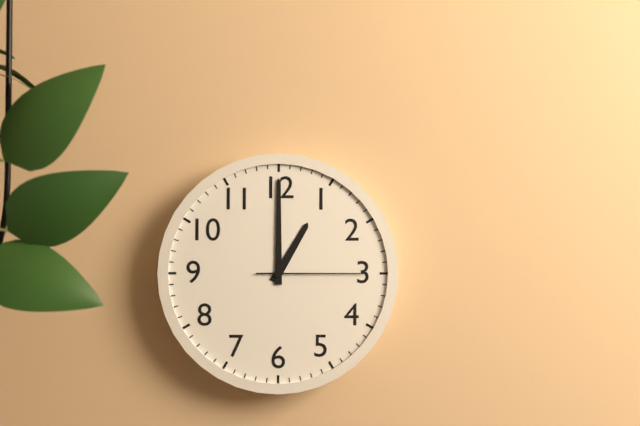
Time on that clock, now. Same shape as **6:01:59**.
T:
**1:00:15**
